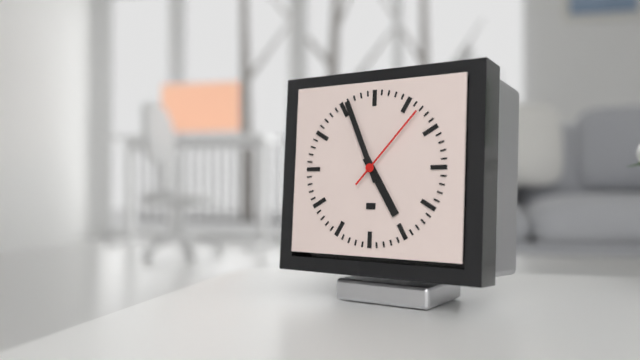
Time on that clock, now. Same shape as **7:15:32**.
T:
**4:56:07**
